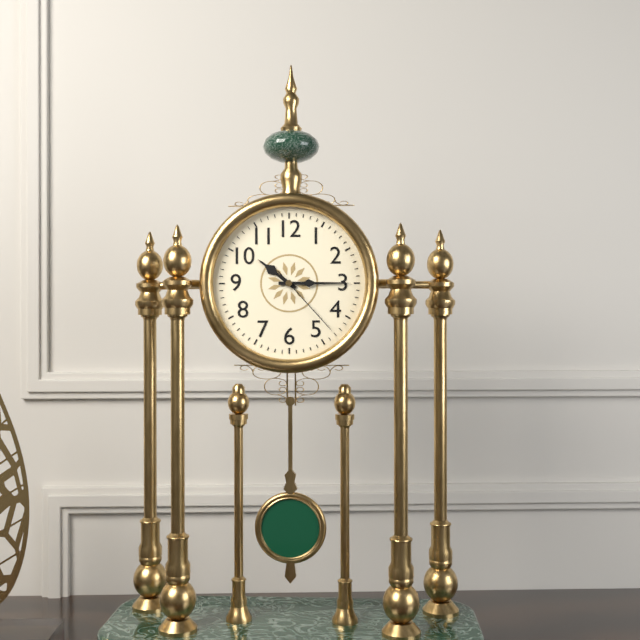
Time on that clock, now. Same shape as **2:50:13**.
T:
**10:15:23**
